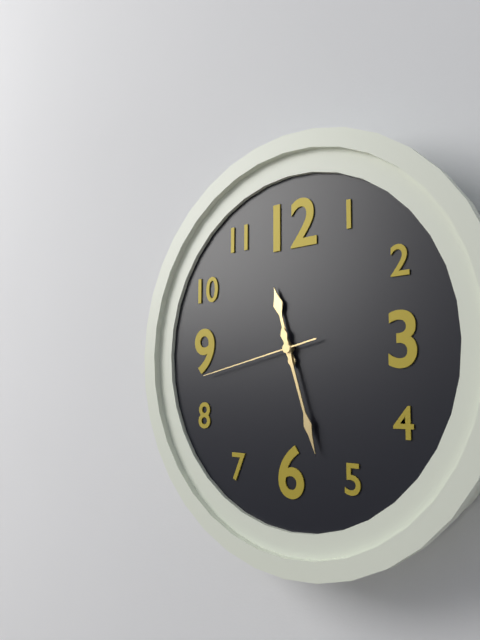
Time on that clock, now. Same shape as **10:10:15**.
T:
**11:27:43**
